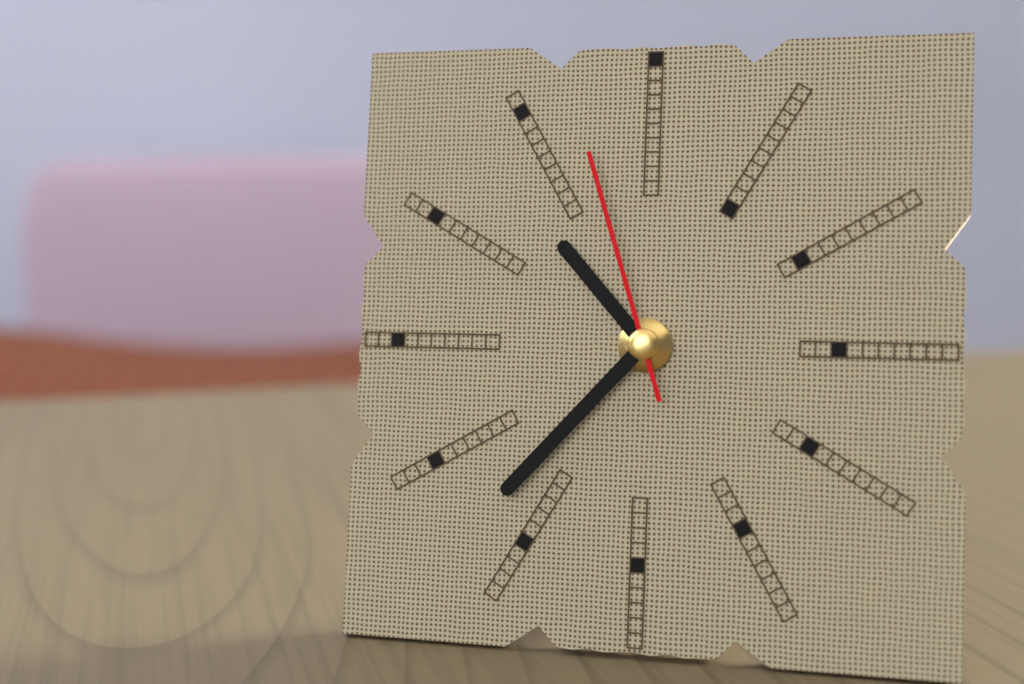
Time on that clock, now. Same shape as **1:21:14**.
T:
**10:37:57**
